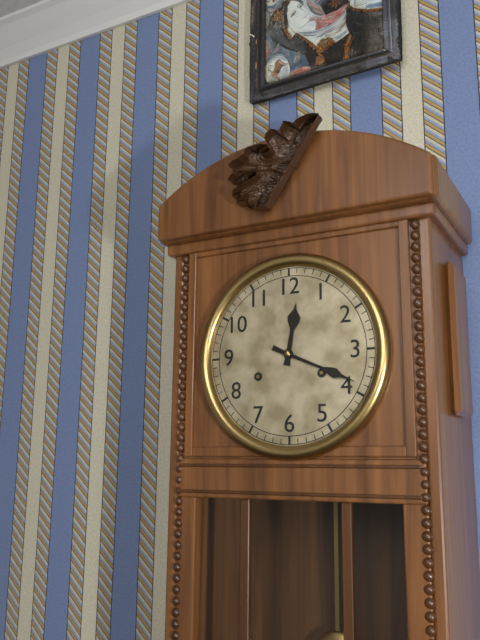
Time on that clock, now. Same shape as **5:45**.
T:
**12:19**
